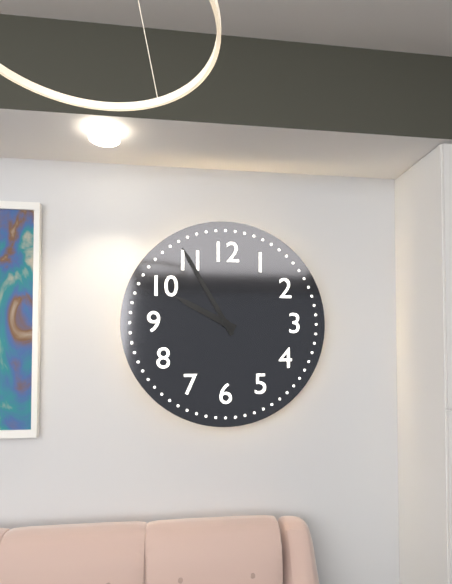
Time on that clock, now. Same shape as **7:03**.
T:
**9:55**
